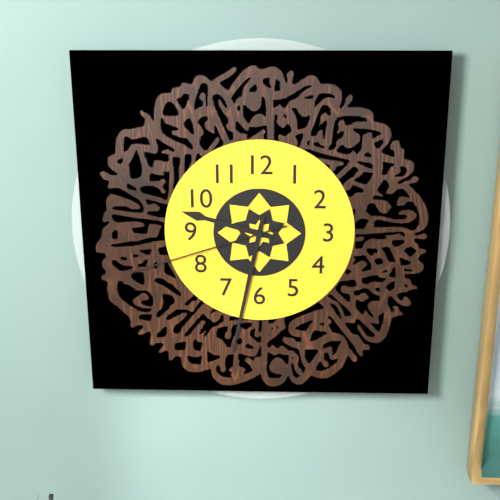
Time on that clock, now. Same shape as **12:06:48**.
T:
**9:32:42**
